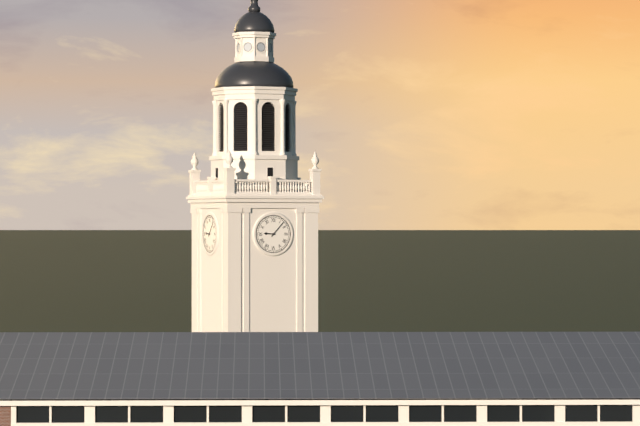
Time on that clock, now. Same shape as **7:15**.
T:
**9:07**
